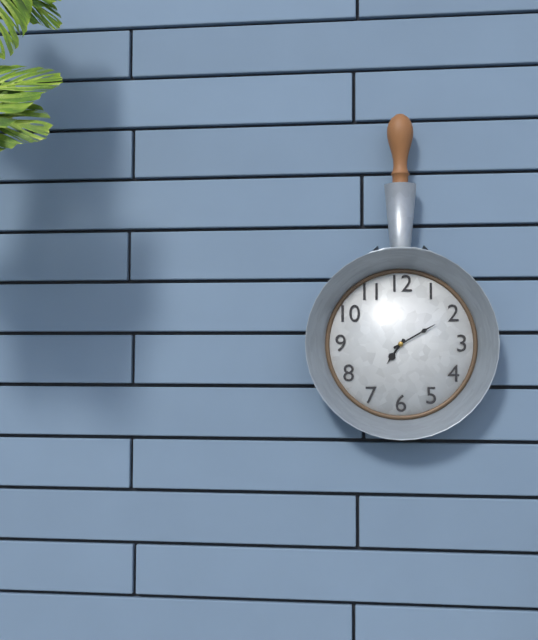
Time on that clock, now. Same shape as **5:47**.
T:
**7:10**
